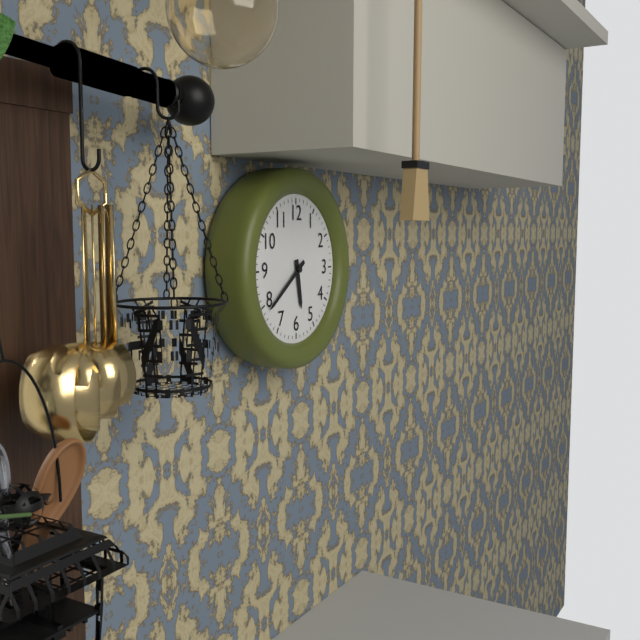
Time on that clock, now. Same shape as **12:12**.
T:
**5:39**
